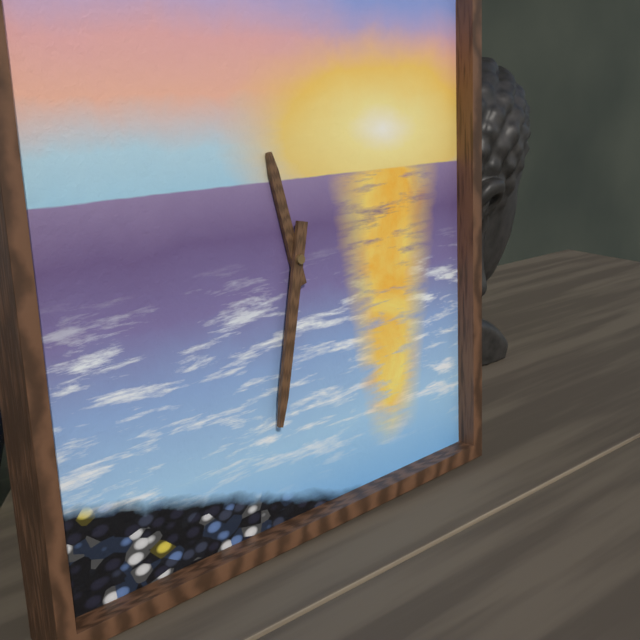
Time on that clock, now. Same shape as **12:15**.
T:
**11:32**
